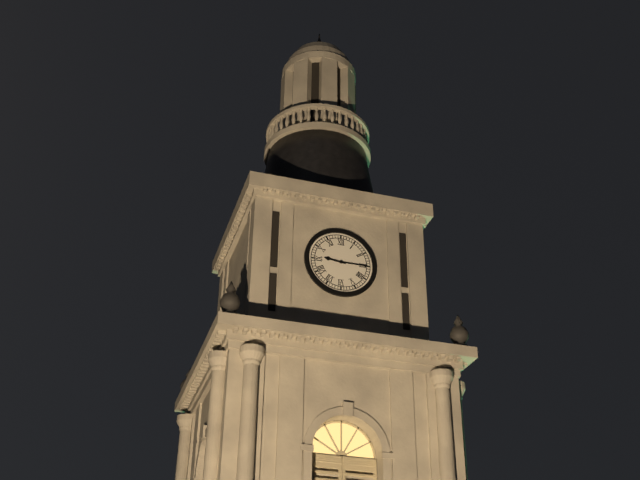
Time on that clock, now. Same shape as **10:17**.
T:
**9:15**
